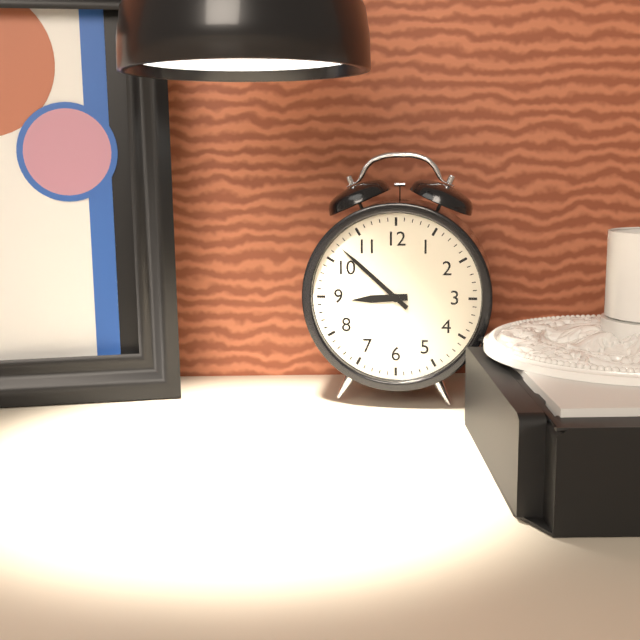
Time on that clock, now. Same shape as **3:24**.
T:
**8:52**
